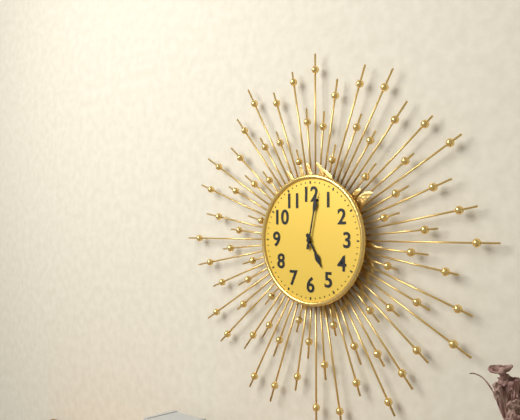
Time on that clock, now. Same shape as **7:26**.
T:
**5:02**
